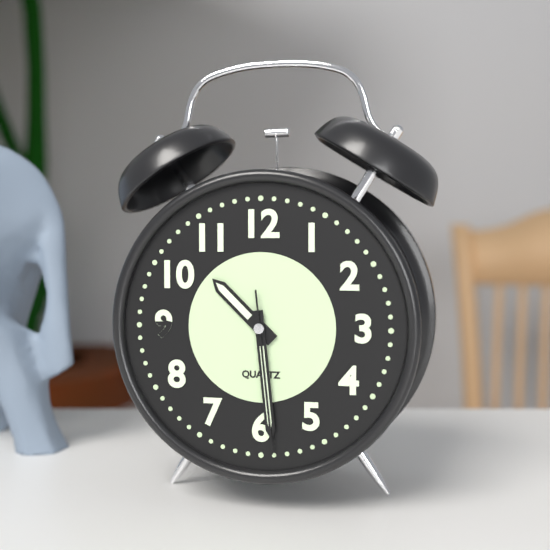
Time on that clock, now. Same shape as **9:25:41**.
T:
**10:29:29**
